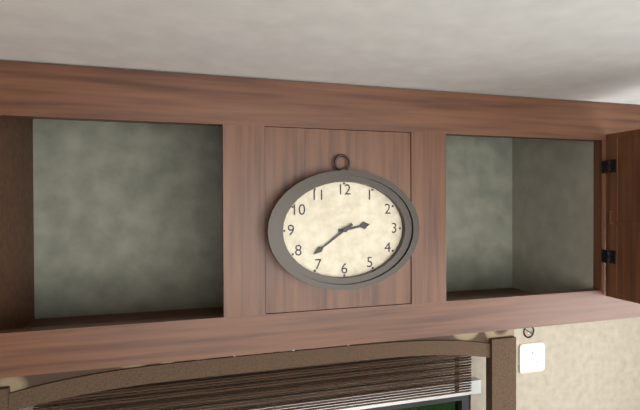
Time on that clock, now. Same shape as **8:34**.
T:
**2:39**
